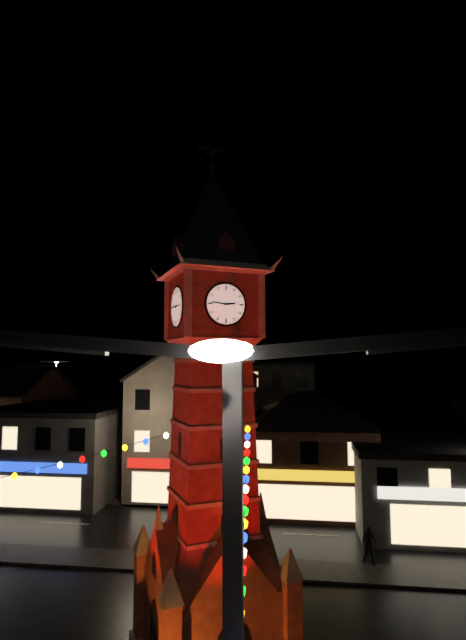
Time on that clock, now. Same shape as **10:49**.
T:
**2:46**
